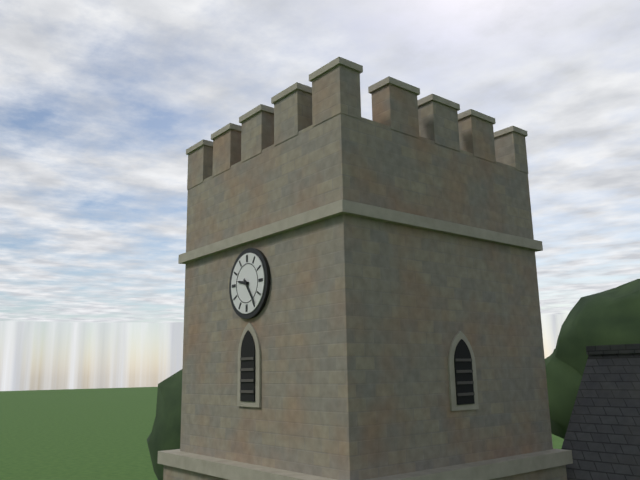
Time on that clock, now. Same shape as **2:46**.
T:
**9:24**
